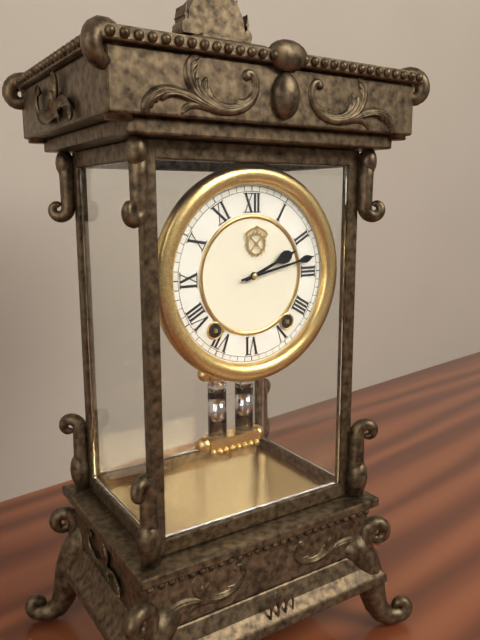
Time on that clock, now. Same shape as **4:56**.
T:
**2:13**
